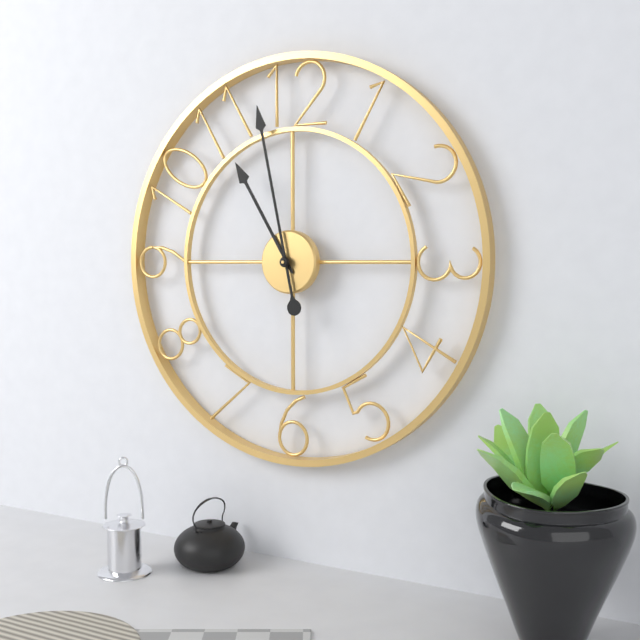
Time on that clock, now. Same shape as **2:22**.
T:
**10:58**
